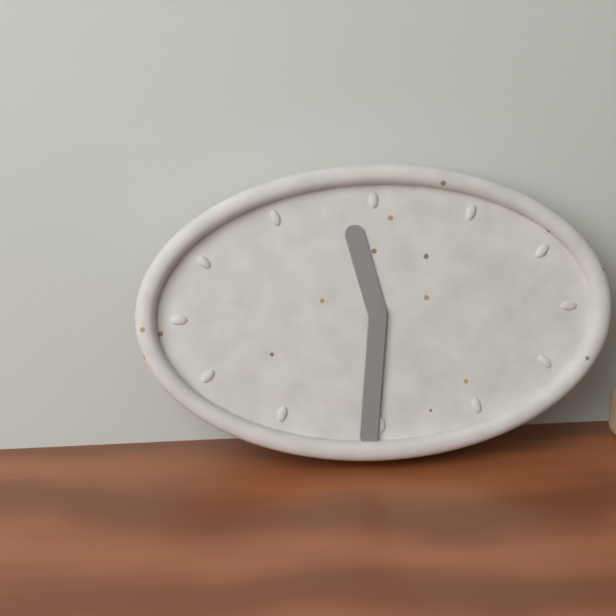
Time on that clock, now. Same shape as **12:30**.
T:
**11:31**
